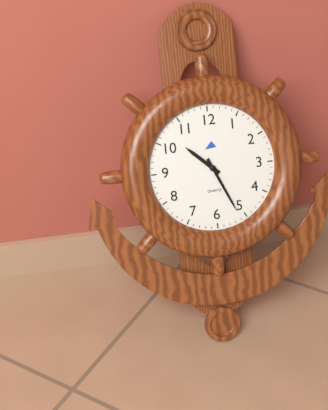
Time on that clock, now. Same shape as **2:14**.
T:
**10:26**
